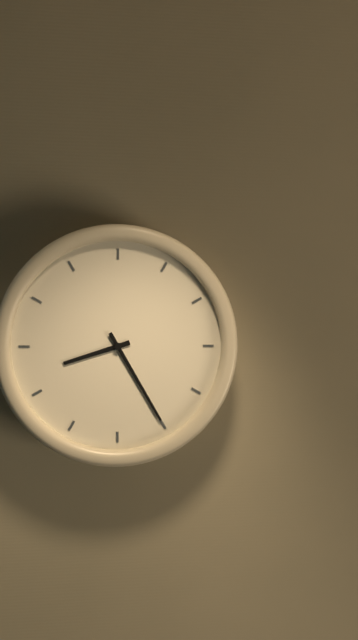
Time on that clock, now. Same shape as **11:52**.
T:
**8:25**
